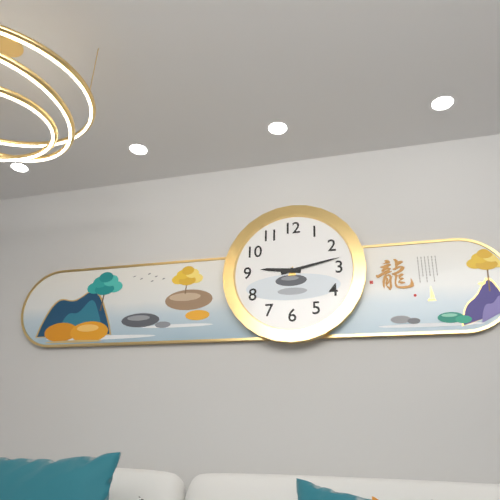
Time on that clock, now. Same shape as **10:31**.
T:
**9:13**
